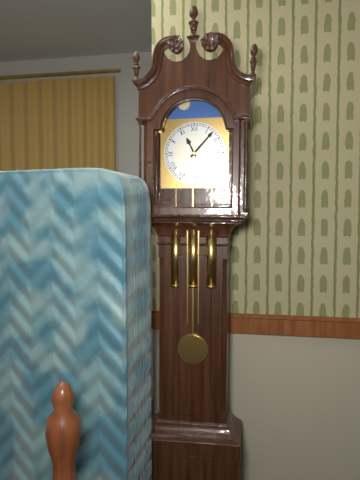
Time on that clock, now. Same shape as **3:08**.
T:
**11:07**
